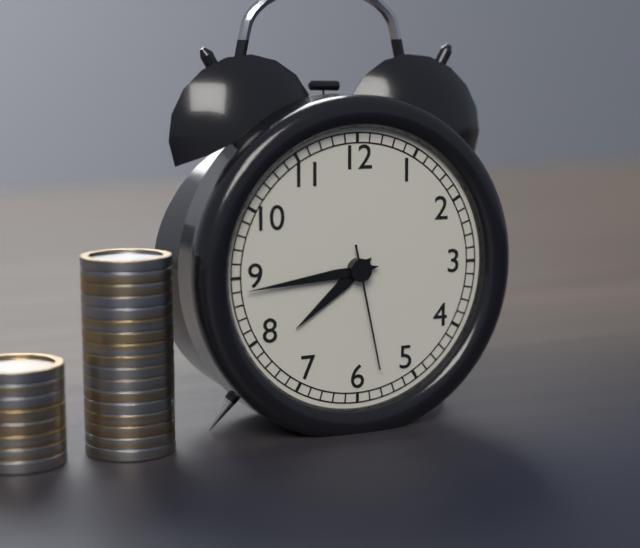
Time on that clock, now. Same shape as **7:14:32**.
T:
**7:44:28**
